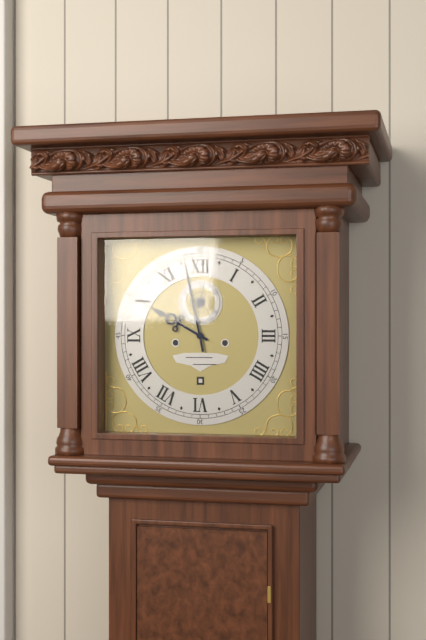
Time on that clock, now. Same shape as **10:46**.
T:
**9:58**
